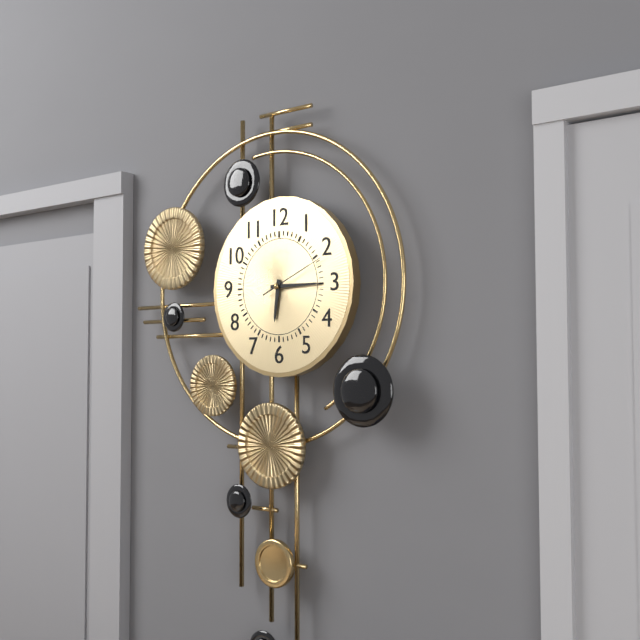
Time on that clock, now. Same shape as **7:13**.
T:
**6:15**
